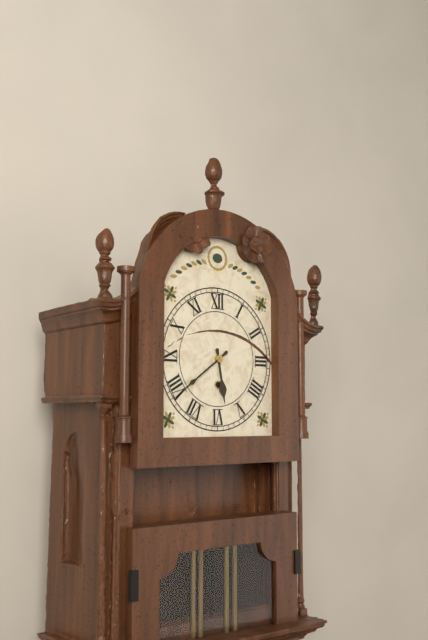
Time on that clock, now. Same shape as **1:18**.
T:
**5:39**
